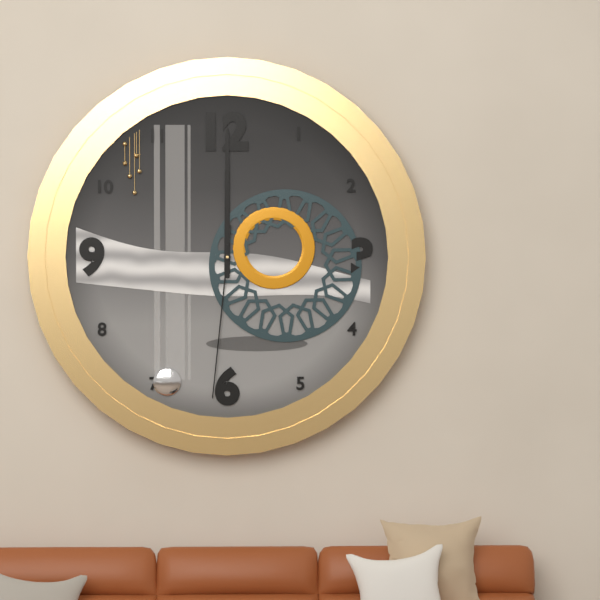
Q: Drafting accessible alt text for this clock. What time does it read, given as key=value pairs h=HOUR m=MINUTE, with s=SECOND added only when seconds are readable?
h=12 m=0 s=31
